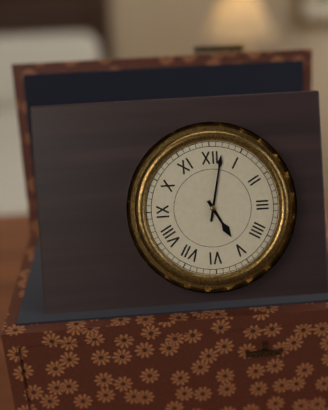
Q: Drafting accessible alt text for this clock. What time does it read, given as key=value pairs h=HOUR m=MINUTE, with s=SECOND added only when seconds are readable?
h=5 m=2
